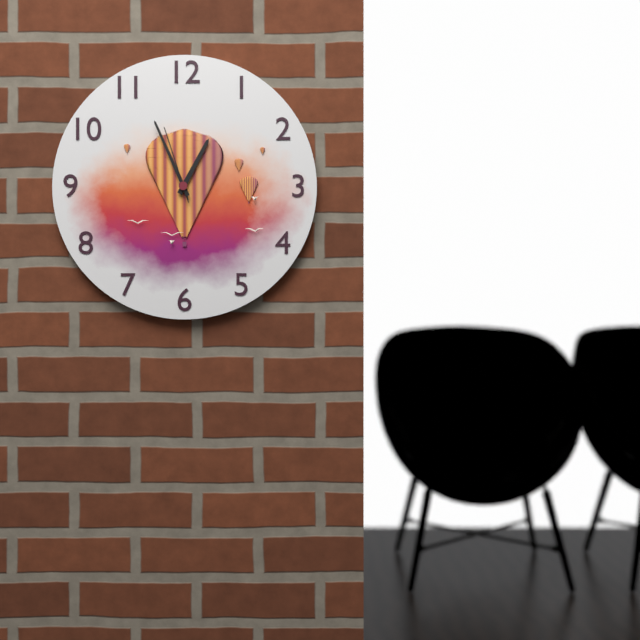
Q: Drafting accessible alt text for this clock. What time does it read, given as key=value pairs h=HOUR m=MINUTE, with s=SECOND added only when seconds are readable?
h=12 m=56 s=57
